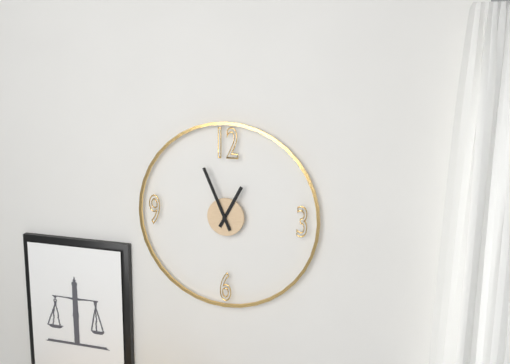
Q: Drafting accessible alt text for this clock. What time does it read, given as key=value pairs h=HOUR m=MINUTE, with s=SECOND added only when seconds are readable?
h=12 m=56
